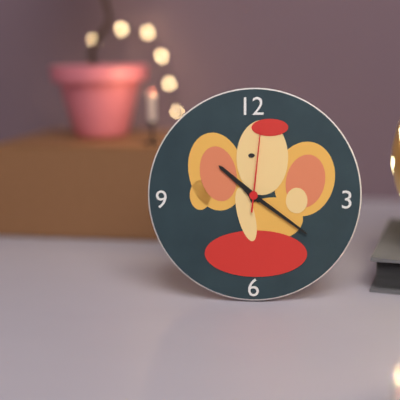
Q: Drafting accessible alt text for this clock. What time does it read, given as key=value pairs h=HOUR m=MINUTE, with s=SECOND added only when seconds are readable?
h=10 m=21 s=1
